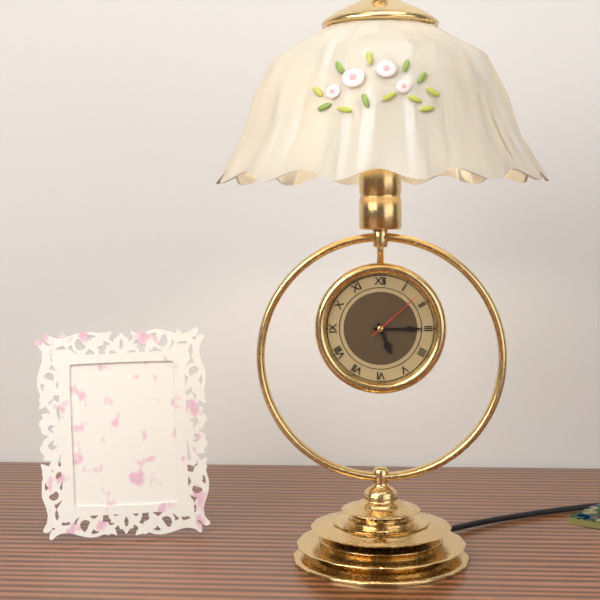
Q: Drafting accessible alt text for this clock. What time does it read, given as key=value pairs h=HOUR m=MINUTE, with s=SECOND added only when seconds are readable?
h=5 m=15 s=8
